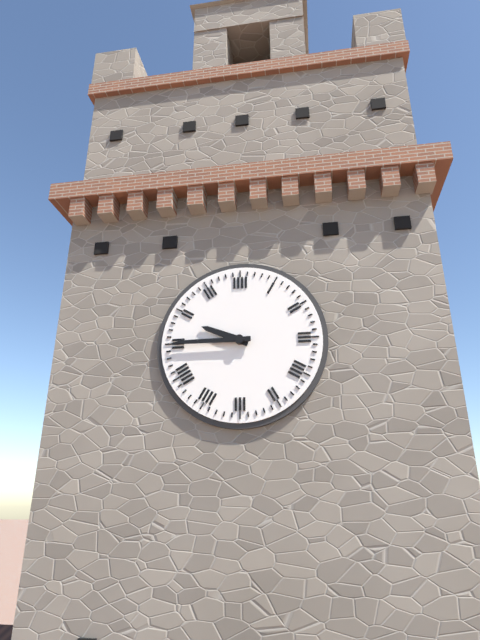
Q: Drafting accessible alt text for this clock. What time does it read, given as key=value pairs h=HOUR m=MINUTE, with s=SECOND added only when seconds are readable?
h=9 m=45
